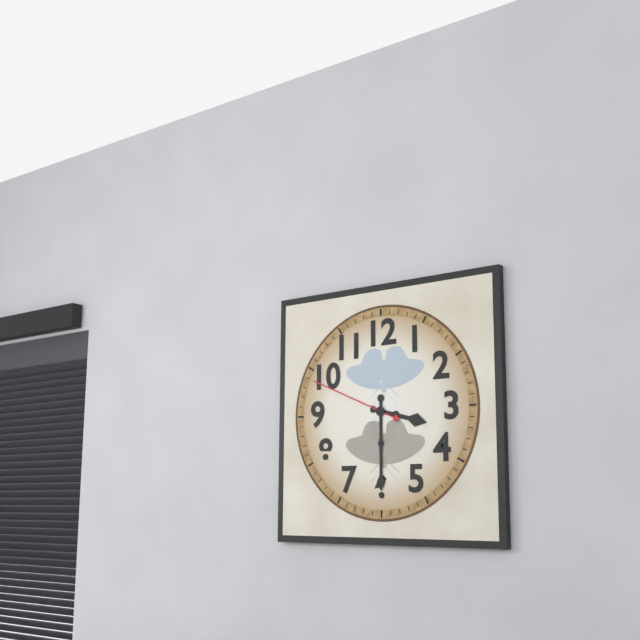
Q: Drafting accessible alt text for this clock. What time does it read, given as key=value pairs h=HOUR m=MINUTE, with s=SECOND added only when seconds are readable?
h=3 m=30 s=49
